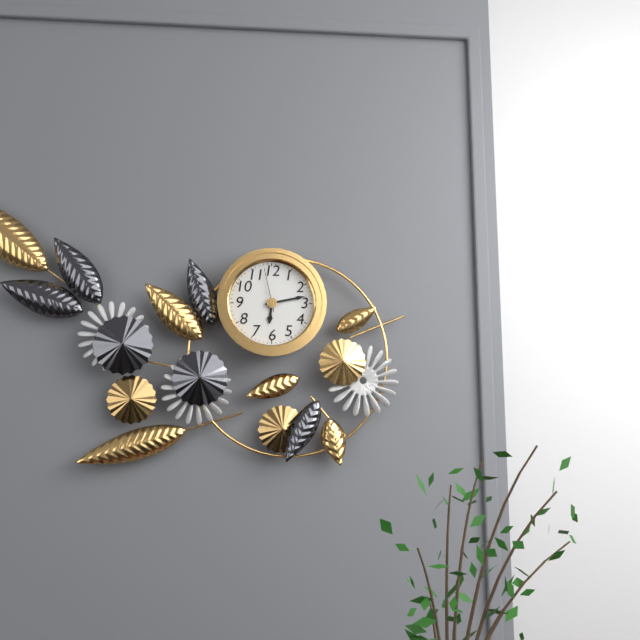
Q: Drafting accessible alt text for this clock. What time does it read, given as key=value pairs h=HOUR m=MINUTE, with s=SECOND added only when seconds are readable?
h=6 m=13
